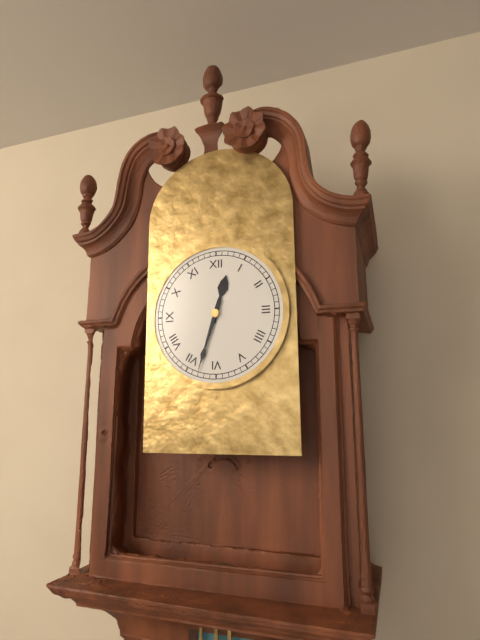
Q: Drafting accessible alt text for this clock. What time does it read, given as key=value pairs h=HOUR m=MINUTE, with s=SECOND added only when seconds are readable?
h=12 m=33
